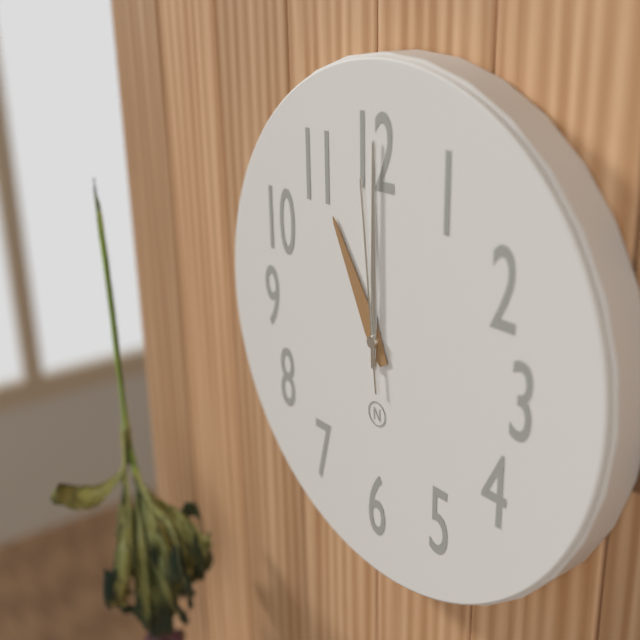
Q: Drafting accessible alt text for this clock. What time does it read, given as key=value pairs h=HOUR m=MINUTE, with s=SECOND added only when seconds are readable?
h=11 m=0 s=59
